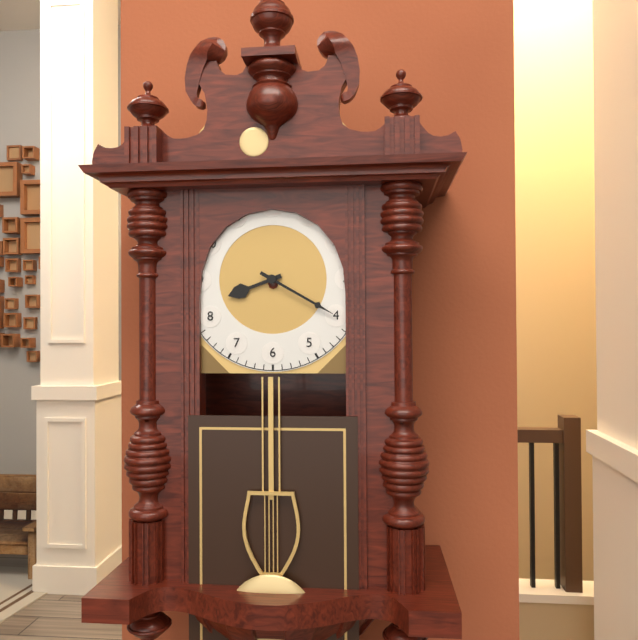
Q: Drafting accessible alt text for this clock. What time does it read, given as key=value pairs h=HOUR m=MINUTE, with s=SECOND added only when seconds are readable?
h=8 m=20
